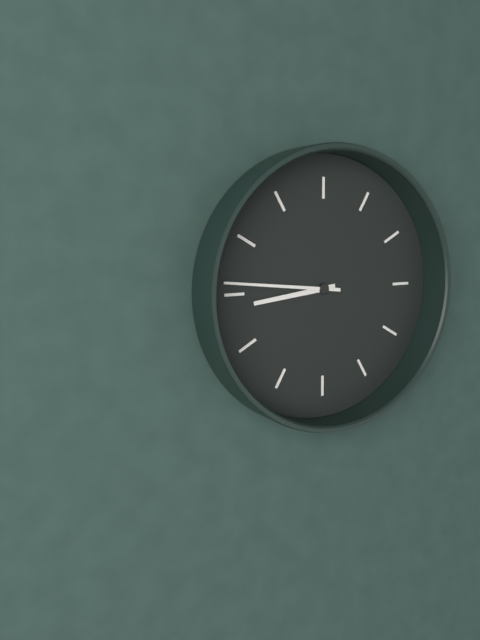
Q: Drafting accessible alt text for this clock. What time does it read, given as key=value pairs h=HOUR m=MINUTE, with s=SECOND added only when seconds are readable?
h=8 m=46
